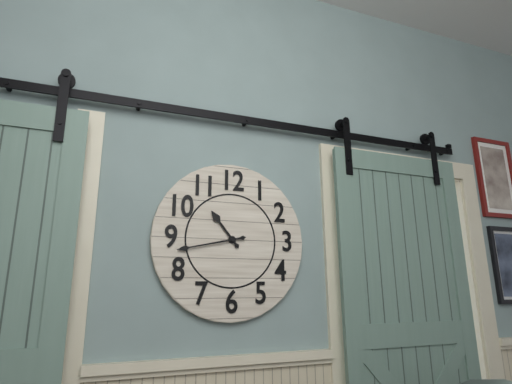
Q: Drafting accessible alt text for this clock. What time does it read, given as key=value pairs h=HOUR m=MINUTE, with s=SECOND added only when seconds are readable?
h=10 m=43
